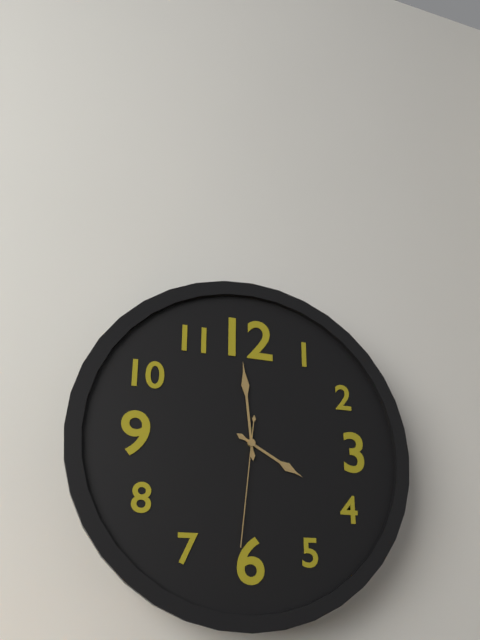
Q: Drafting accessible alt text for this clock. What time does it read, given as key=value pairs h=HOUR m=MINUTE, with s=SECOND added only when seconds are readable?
h=3 m=59 s=31
